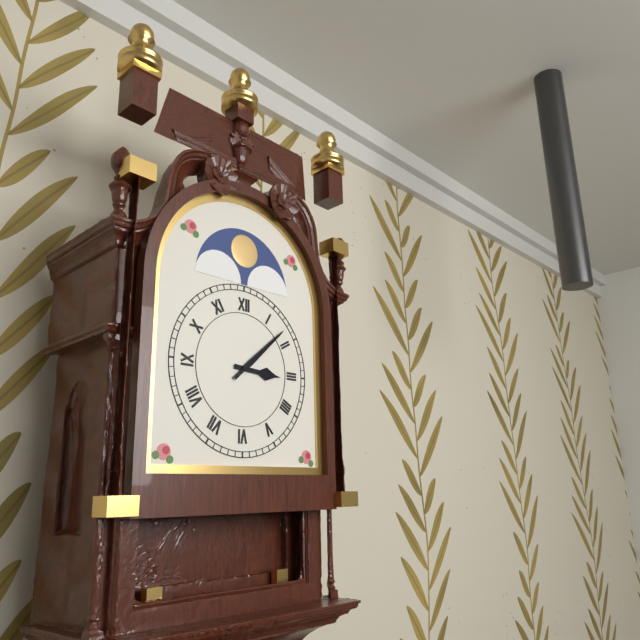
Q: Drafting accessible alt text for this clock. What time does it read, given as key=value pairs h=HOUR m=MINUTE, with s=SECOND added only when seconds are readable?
h=3 m=8
